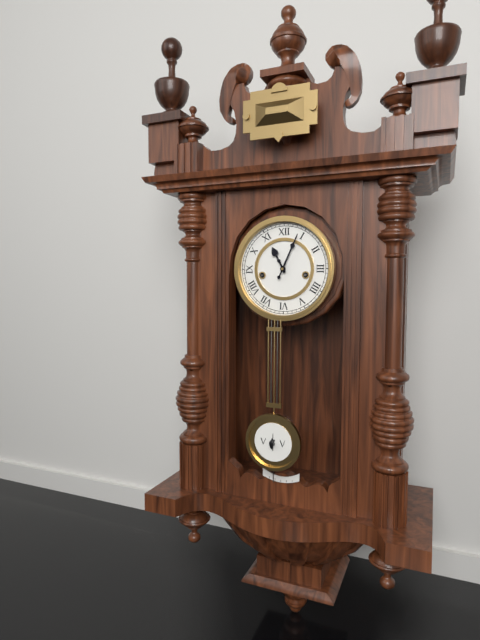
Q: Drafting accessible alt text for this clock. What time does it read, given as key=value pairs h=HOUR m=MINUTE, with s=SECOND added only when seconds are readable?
h=11 m=4
